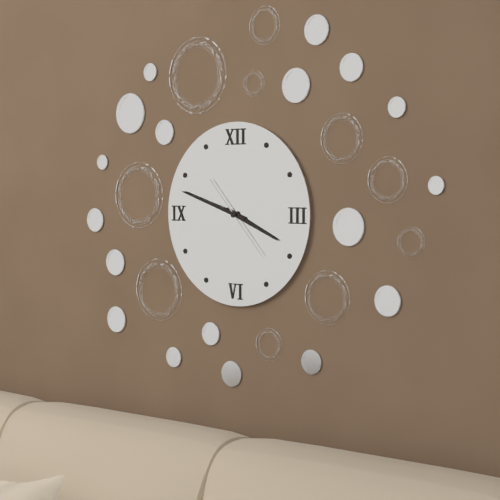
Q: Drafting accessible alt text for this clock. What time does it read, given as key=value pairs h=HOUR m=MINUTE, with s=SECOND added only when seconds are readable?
h=3 m=48 s=23
